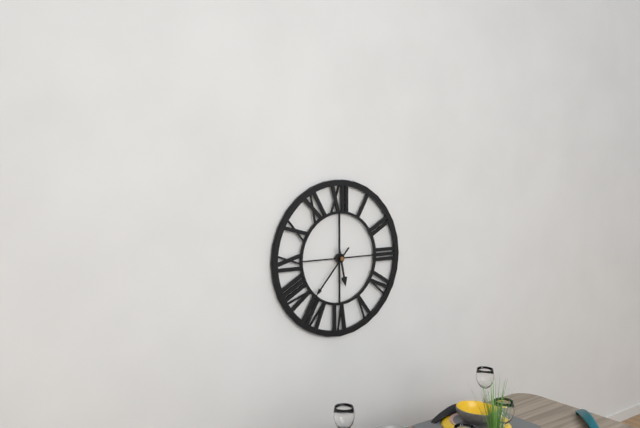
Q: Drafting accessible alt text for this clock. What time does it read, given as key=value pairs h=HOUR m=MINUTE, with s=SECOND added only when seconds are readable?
h=5 m=37
